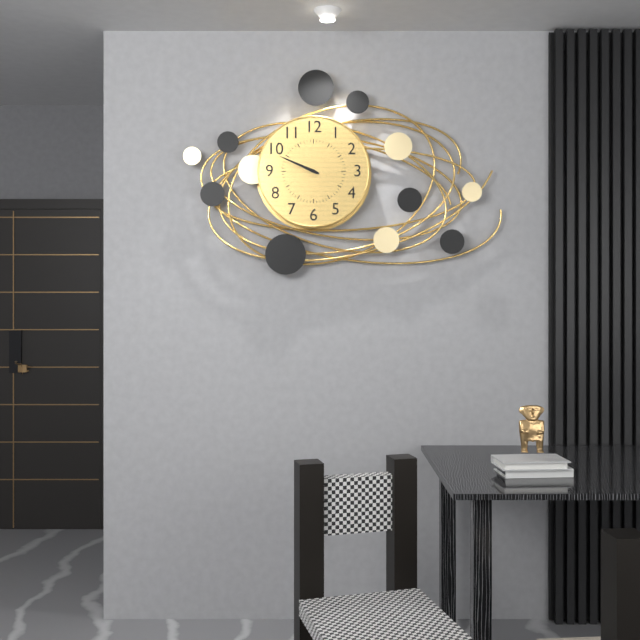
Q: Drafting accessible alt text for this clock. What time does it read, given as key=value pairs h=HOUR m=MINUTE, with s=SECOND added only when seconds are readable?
h=9 m=49
